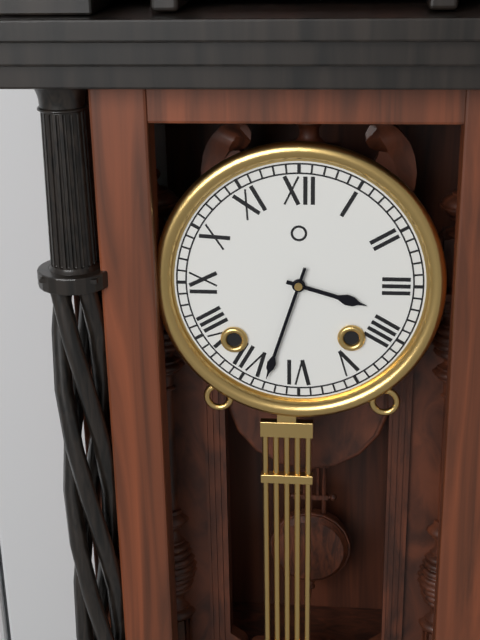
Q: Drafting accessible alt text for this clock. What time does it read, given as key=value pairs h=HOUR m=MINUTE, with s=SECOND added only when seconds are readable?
h=3 m=33
